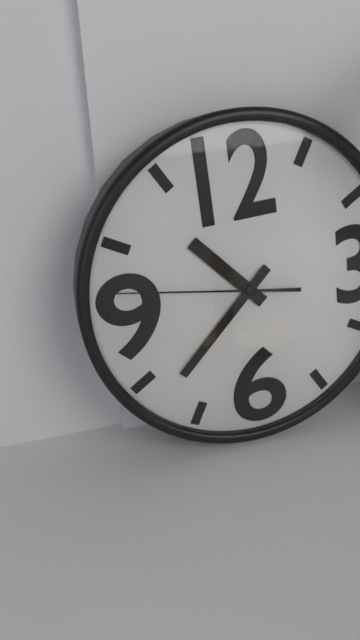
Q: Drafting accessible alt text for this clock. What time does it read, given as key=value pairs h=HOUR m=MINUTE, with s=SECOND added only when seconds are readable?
h=10 m=38 s=47
